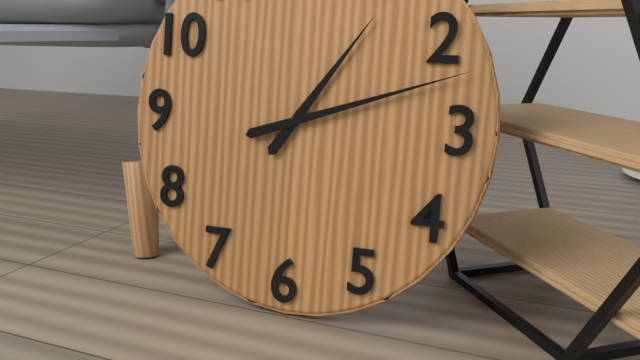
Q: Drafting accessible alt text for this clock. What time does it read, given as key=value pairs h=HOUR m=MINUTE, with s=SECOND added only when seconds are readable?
h=1 m=12
